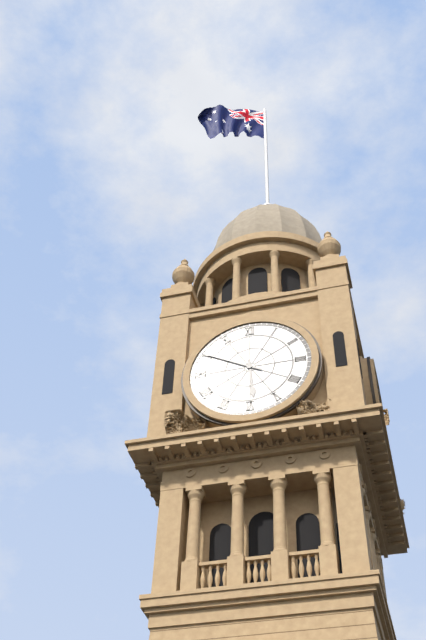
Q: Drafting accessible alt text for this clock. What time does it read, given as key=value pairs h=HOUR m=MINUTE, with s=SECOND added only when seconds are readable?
h=5 m=50
